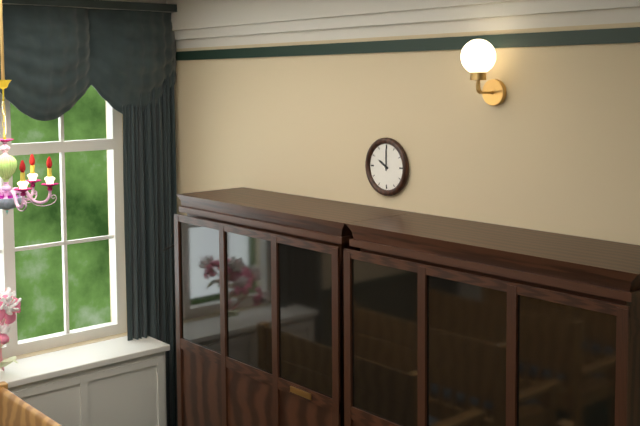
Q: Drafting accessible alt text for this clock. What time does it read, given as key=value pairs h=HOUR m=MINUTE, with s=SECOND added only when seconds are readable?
h=10 m=0
